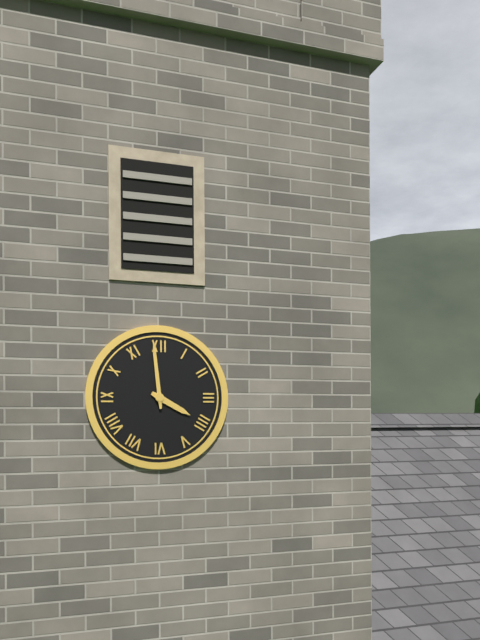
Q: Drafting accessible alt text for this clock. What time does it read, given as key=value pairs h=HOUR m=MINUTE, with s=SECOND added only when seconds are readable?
h=3 m=59
